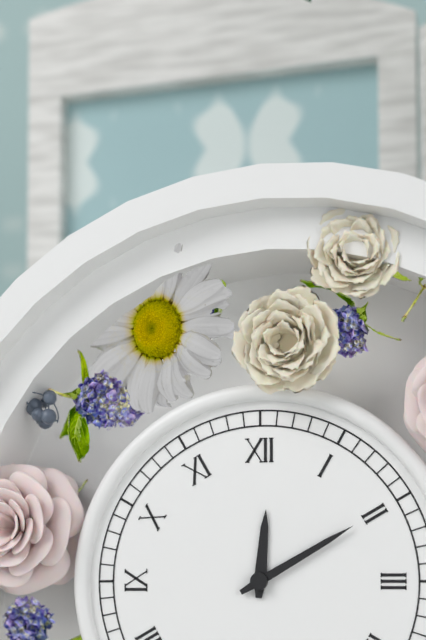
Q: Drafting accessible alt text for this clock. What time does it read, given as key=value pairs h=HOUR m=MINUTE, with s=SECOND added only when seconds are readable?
h=12 m=10
